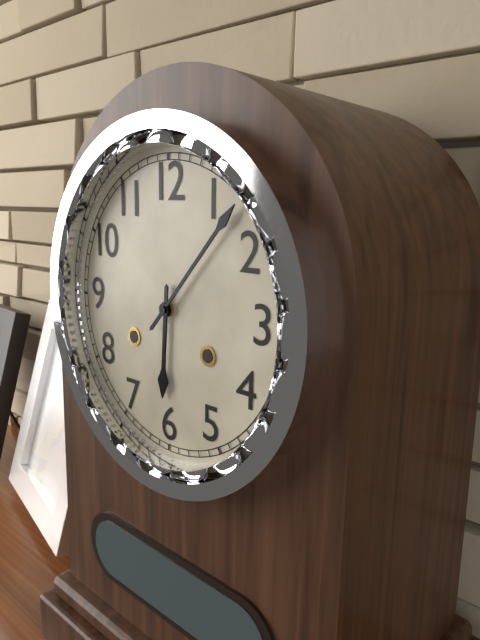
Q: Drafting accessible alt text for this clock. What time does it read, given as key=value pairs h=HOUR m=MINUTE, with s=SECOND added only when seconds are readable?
h=6 m=7
